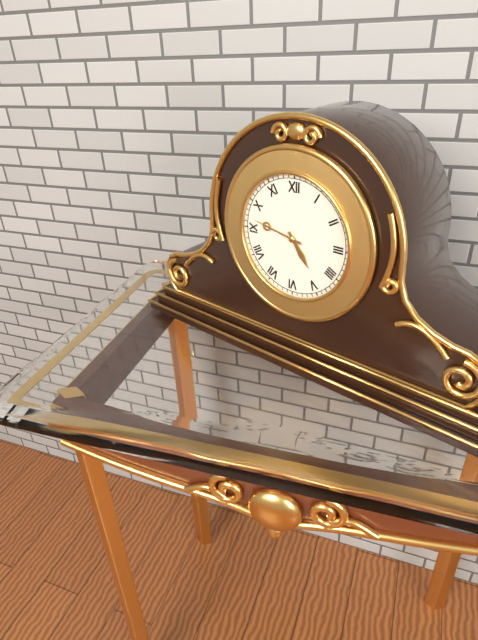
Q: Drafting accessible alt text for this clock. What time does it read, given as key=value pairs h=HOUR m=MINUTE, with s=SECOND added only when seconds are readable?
h=4 m=47
